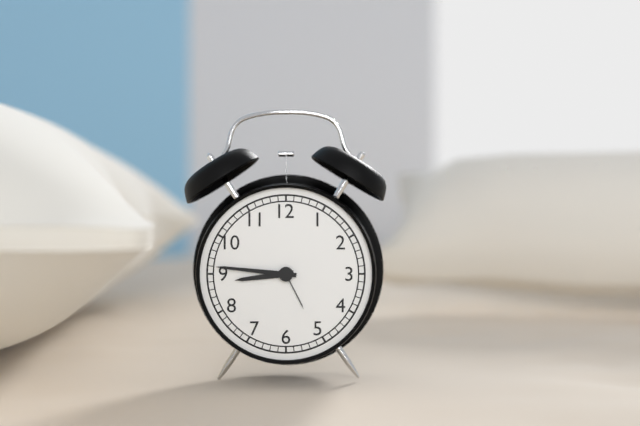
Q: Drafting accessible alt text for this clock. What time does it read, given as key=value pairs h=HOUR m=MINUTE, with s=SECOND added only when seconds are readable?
h=8 m=46
